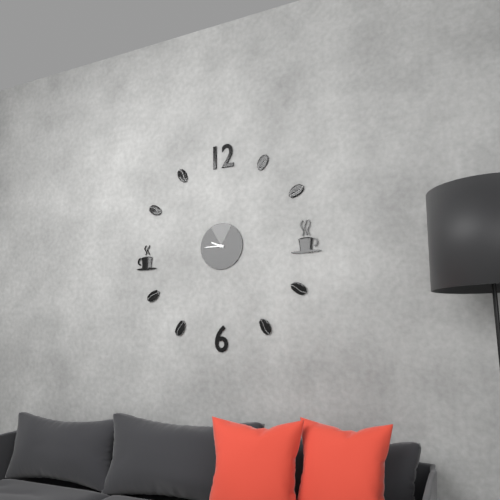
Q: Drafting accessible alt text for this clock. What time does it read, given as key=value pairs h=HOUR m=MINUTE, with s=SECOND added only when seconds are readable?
h=9 m=45
